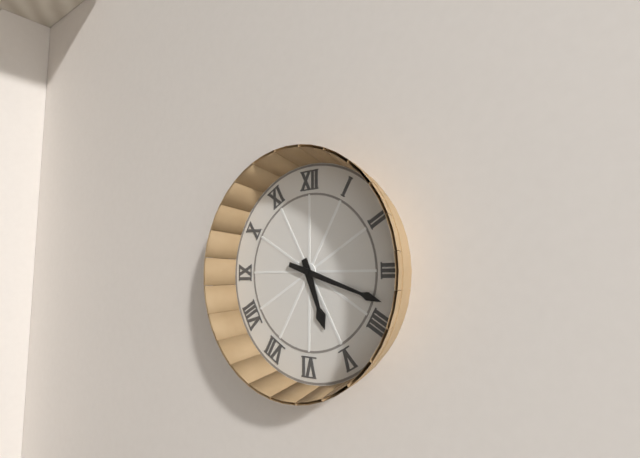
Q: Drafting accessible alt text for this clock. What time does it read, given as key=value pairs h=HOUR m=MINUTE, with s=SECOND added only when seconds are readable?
h=5 m=18
